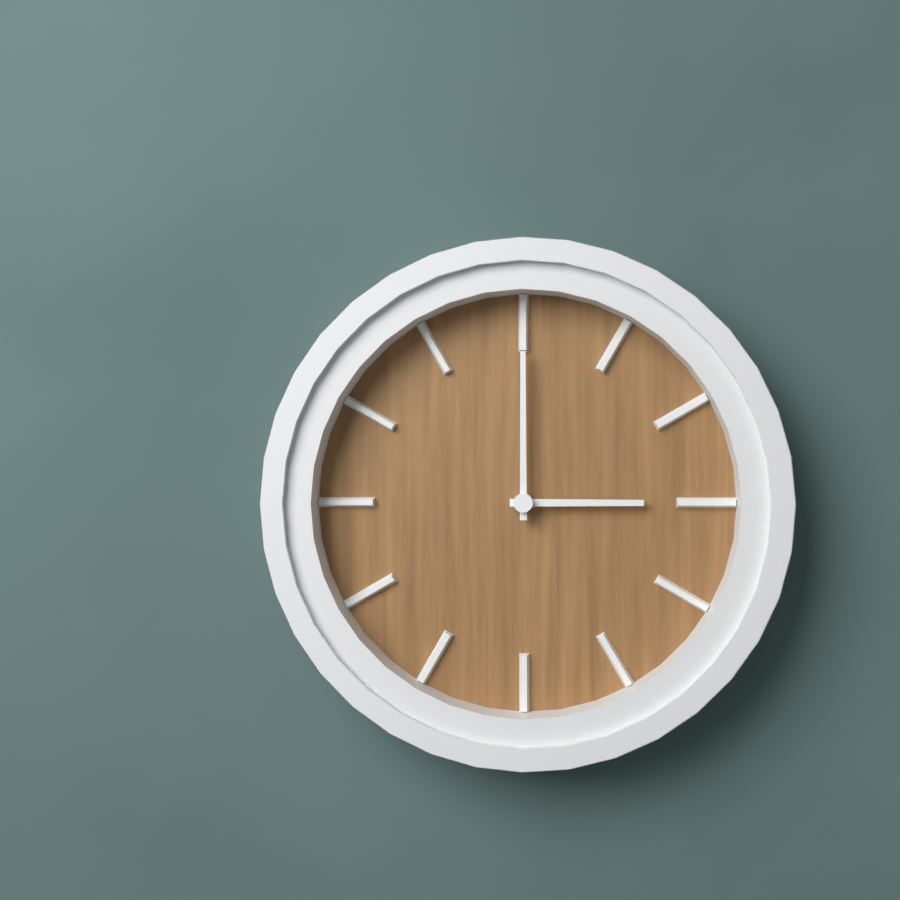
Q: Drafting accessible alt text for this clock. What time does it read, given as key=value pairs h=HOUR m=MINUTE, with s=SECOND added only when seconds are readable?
h=3 m=0
